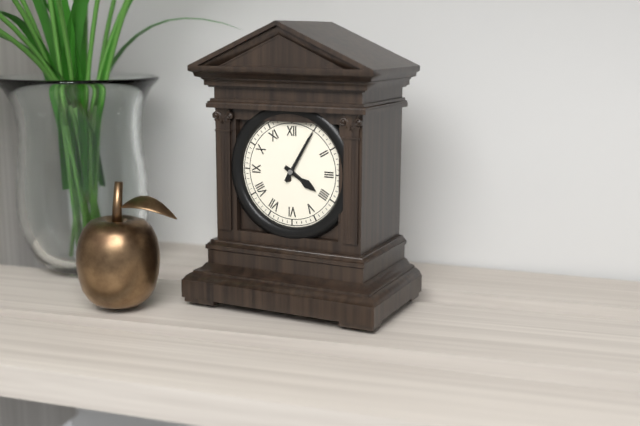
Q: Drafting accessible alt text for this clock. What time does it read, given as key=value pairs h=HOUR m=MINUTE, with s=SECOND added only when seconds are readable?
h=4 m=5
